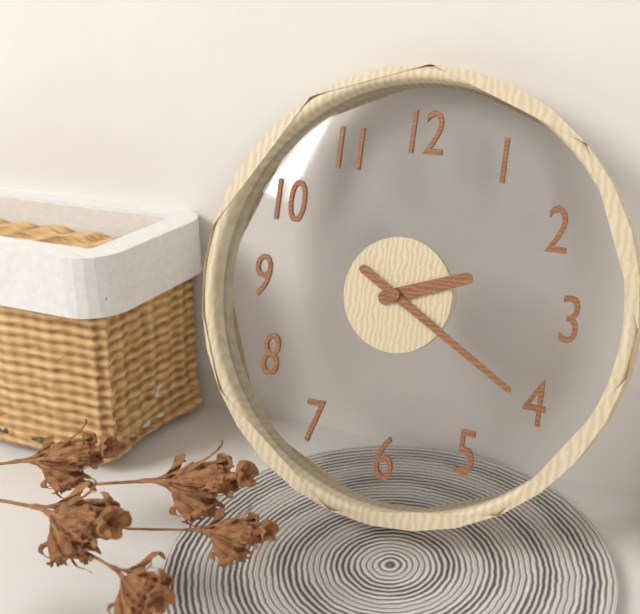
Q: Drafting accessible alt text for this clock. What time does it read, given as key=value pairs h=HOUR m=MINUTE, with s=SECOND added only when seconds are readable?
h=2 m=20
